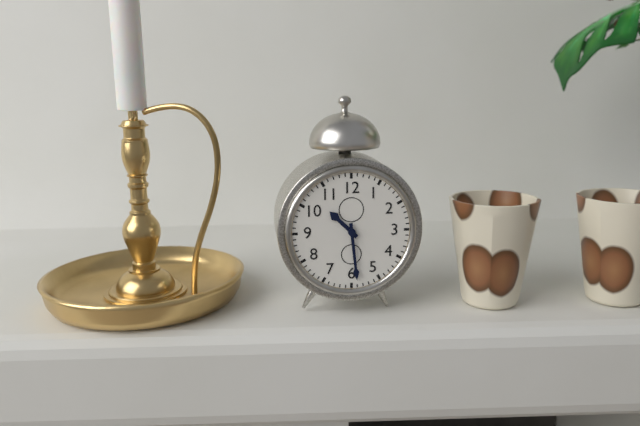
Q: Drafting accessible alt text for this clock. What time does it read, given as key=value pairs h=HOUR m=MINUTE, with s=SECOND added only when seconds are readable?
h=10 m=29
